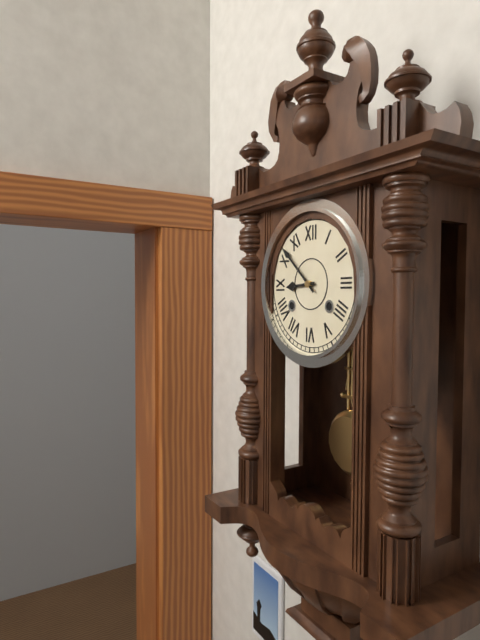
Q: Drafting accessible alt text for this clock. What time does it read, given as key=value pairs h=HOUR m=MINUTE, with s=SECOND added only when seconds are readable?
h=8 m=52
